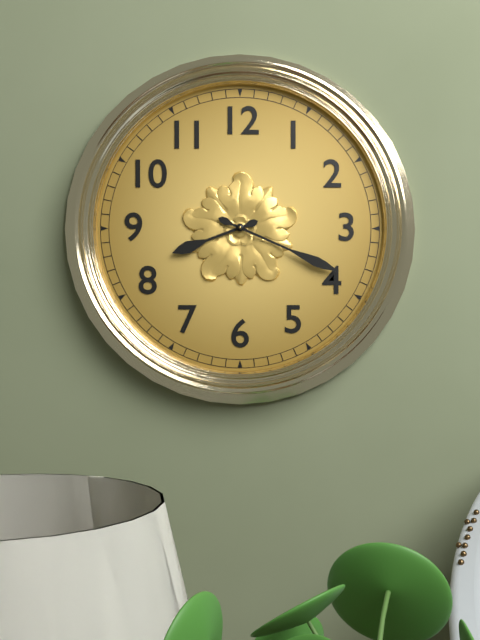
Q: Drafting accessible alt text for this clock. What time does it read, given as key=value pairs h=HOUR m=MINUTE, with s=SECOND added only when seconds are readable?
h=8 m=19
